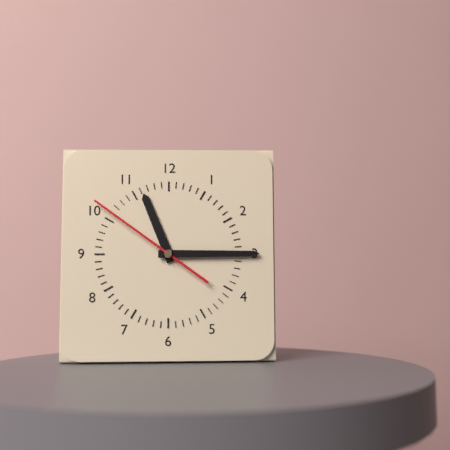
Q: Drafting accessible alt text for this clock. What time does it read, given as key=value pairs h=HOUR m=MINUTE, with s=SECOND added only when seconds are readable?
h=11 m=15 s=51
